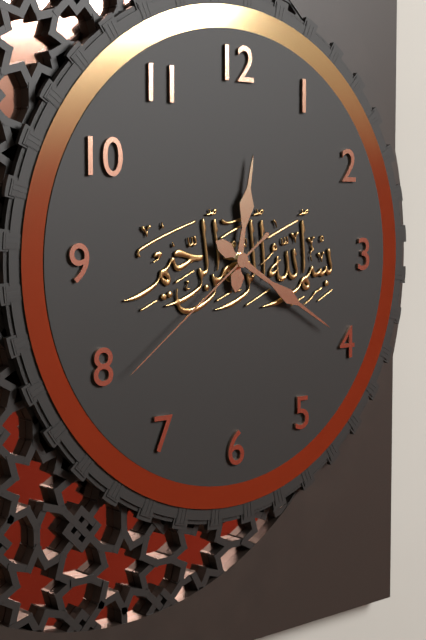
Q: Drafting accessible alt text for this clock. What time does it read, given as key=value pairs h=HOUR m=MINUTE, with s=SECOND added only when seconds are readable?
h=12 m=20 s=39
